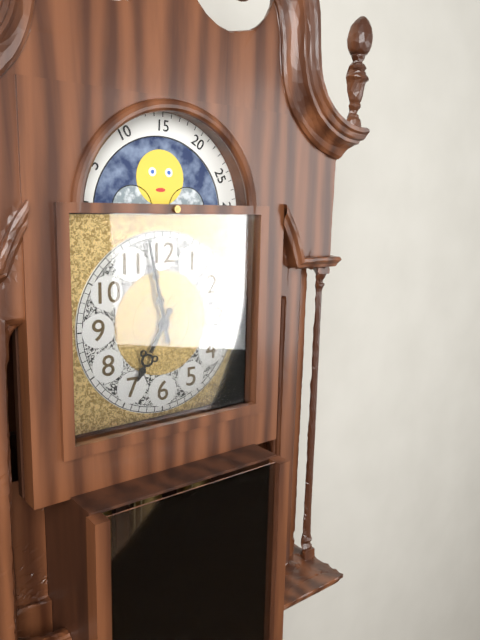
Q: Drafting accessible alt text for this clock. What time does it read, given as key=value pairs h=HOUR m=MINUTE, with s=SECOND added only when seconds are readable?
h=6 m=58
